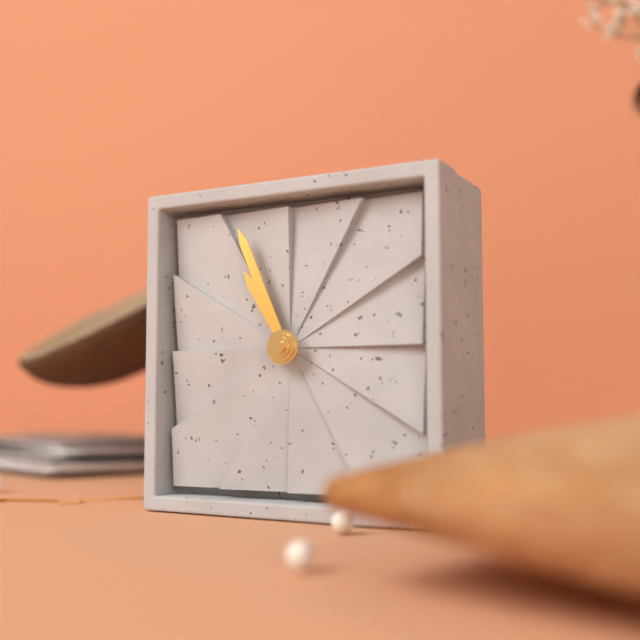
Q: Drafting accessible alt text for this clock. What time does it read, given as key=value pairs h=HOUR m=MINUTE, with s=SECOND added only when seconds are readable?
h=10 m=56
